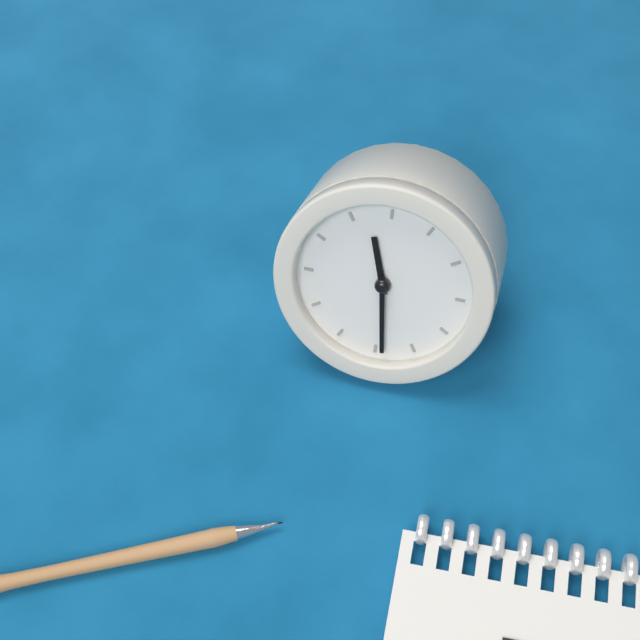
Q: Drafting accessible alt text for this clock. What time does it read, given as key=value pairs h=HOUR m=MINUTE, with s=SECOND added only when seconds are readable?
h=11 m=29
